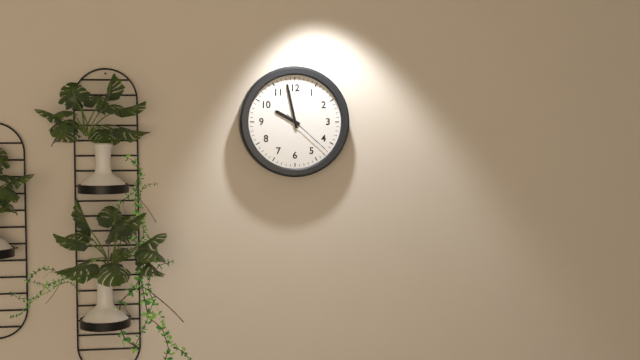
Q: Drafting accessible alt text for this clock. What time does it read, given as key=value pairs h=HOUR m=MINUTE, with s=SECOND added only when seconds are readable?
h=9 m=58 s=22
